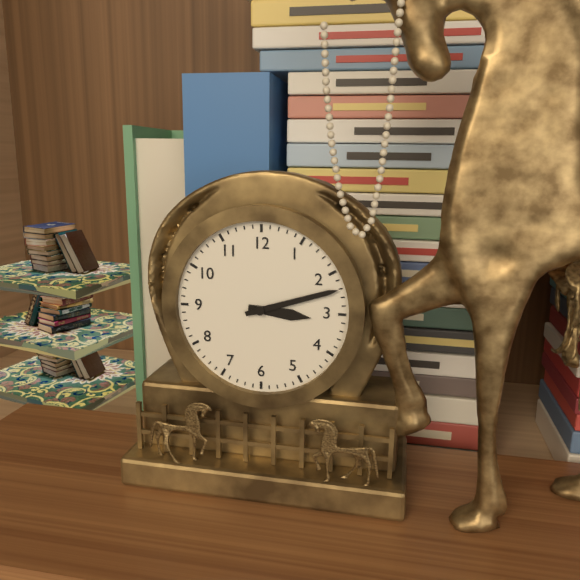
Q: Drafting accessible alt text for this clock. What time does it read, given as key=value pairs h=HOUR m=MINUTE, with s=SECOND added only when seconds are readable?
h=3 m=12
